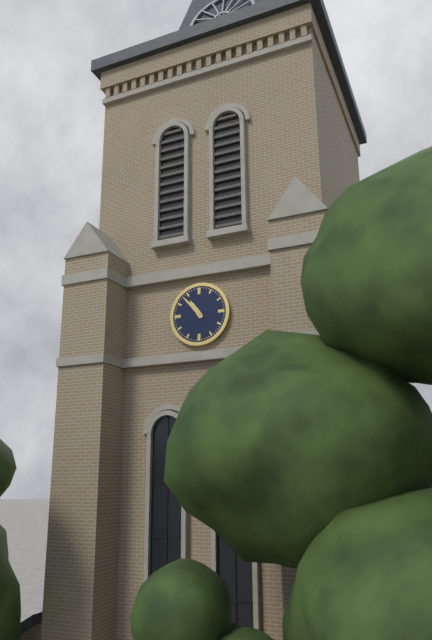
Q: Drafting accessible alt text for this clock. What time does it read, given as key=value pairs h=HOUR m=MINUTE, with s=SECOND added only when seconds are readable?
h=10 m=53
